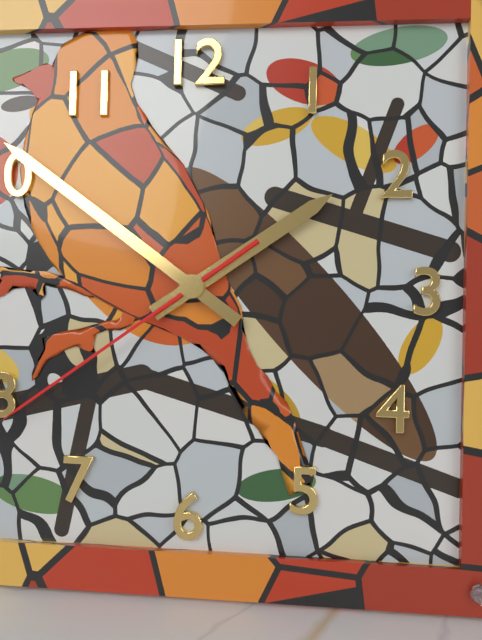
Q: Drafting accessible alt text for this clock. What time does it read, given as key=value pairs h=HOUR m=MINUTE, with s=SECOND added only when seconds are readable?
h=1 m=51 s=39
